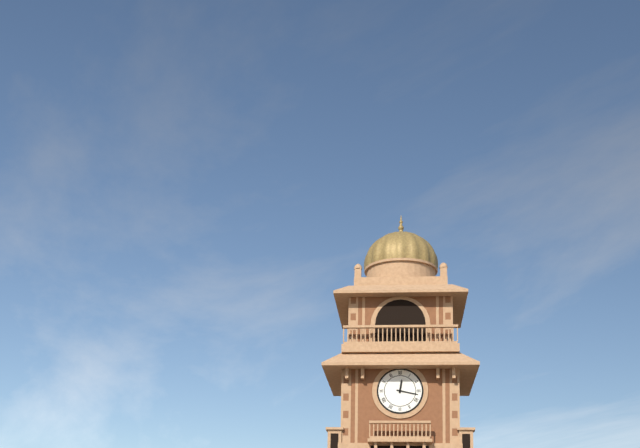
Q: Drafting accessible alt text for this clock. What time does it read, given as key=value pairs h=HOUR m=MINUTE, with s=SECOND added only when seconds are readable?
h=12 m=17
